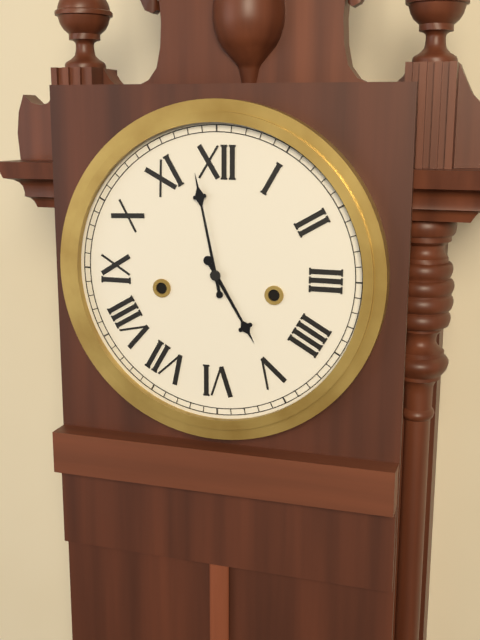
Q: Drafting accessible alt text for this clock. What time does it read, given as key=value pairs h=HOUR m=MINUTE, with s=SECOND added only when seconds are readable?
h=4 m=58
